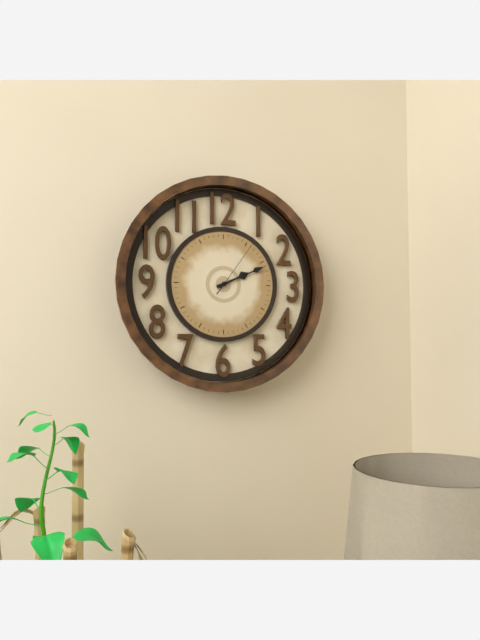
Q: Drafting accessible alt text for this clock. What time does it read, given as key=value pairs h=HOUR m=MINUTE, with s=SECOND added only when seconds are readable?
h=2 m=11 s=6
